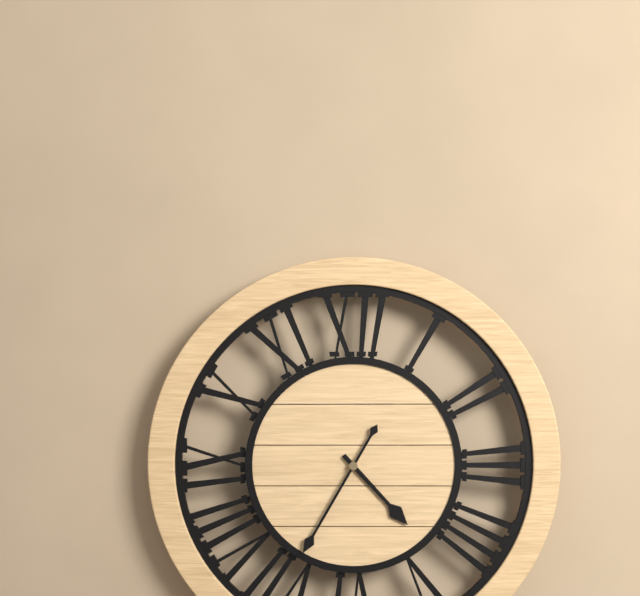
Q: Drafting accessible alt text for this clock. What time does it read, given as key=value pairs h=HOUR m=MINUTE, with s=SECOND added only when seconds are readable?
h=4 m=35
